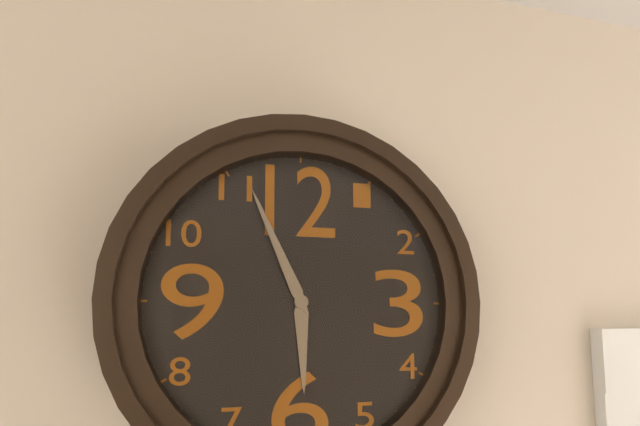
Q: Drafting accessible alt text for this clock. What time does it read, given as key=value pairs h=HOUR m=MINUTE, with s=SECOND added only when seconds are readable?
h=5 m=56
